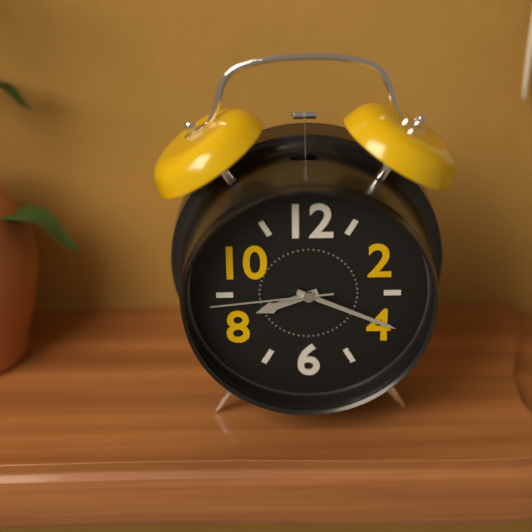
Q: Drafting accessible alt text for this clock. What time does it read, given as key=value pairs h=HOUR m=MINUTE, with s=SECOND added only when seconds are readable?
h=8 m=19 s=44
